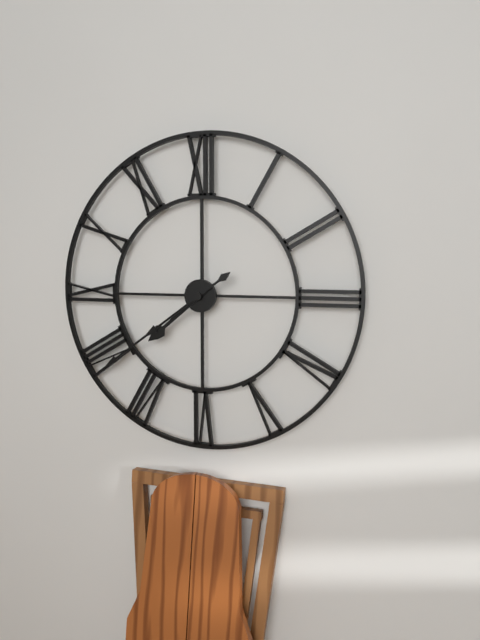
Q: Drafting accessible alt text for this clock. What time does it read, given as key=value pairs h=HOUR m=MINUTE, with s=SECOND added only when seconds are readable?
h=7 m=39
